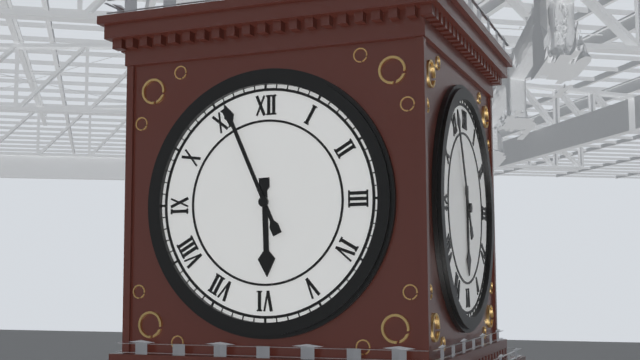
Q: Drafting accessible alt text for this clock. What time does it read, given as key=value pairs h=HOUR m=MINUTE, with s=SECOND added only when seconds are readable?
h=5 m=56
